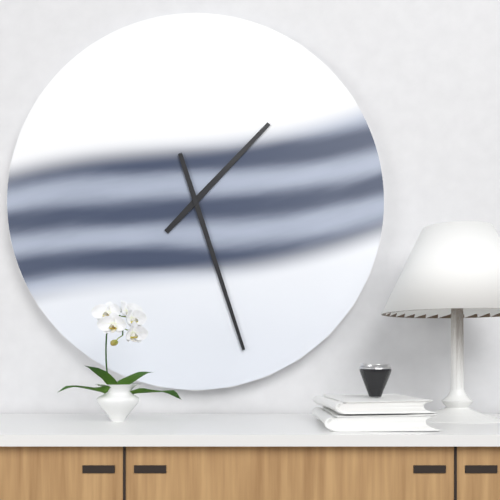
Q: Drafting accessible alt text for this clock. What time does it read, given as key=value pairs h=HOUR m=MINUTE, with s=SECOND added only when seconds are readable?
h=1 m=27
